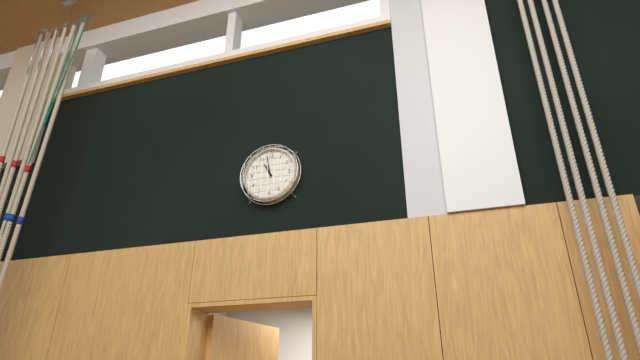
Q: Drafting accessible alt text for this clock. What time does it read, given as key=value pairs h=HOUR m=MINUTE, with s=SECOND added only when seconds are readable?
h=10 m=58
